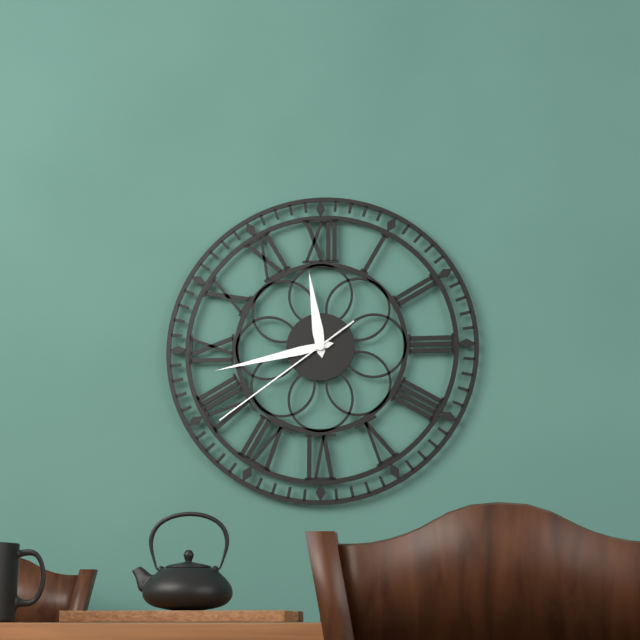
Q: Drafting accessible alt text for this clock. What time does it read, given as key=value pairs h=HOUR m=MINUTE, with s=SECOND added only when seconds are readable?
h=11 m=43 s=39
